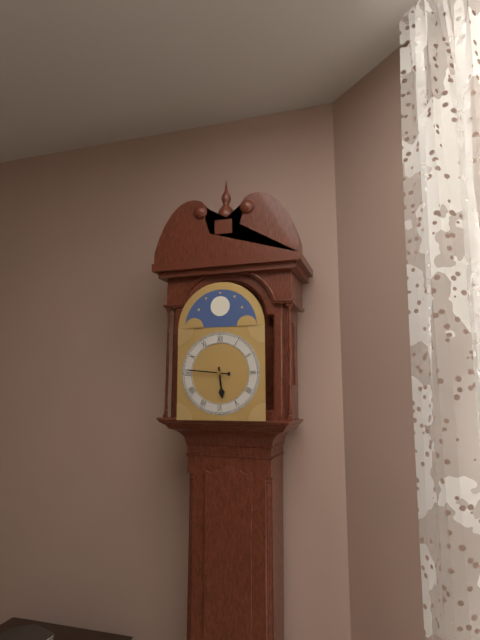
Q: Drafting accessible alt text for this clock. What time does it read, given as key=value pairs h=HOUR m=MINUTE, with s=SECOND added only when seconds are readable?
h=5 m=46
